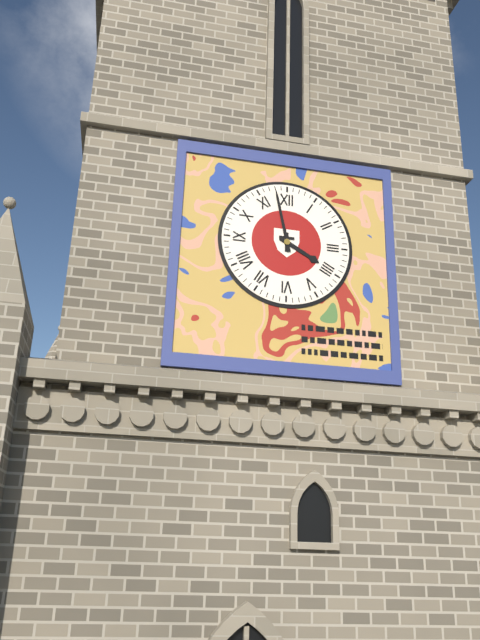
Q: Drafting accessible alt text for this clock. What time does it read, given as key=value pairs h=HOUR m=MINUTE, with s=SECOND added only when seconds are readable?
h=3 m=58
